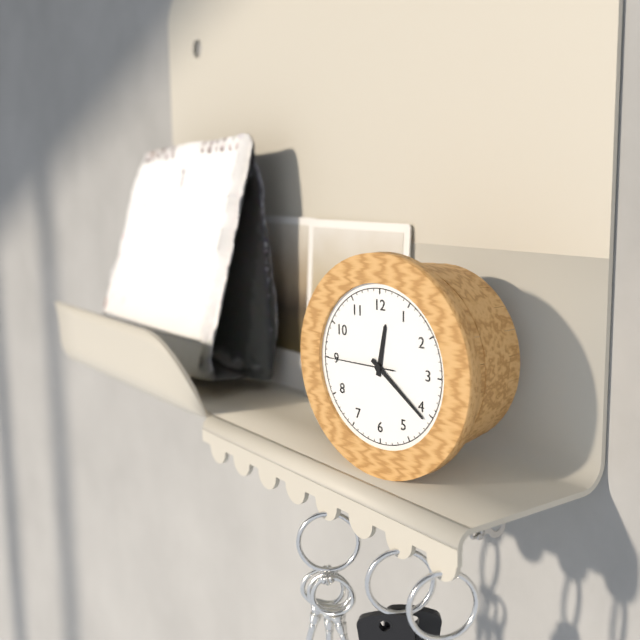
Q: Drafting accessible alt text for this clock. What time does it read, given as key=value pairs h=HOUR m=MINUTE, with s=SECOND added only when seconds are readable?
h=12 m=21 s=45
